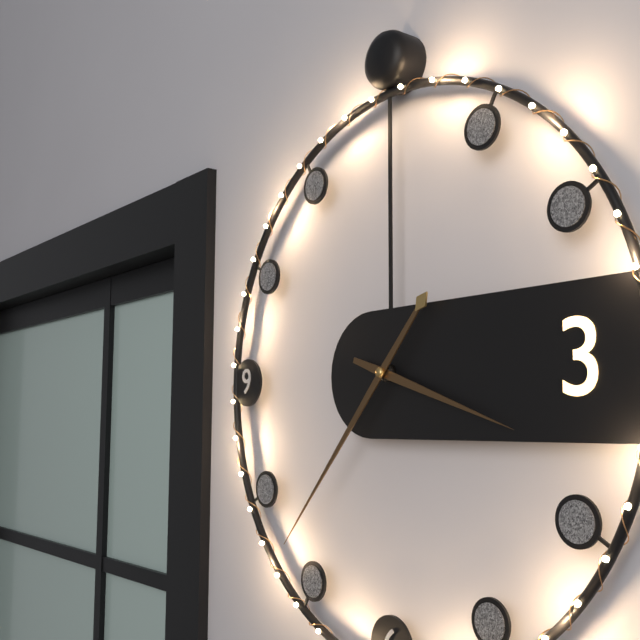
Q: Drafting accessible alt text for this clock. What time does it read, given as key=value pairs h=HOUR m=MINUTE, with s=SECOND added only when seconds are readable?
h=3 m=37
